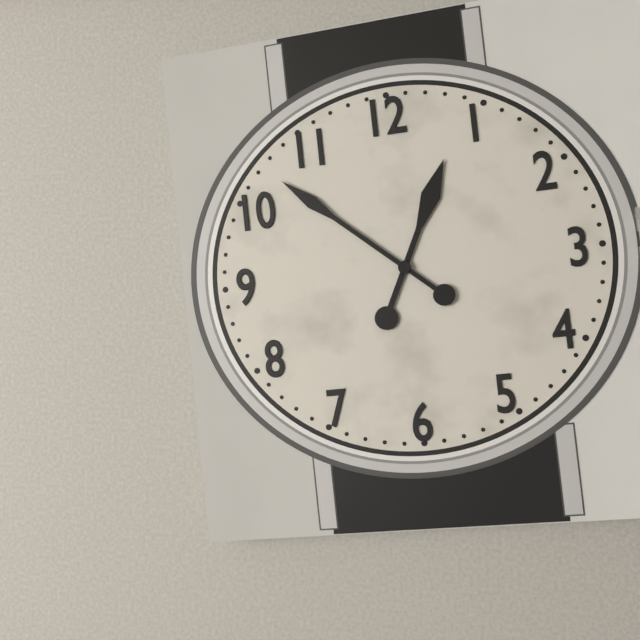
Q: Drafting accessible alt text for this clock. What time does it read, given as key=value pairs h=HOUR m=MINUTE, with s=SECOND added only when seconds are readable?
h=12 m=52
